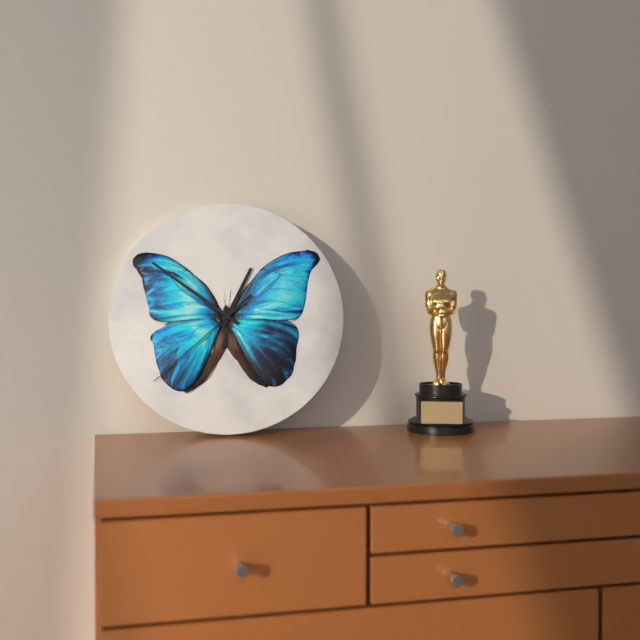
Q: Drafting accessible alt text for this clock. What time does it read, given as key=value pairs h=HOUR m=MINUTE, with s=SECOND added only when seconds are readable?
h=12 m=51 s=38
